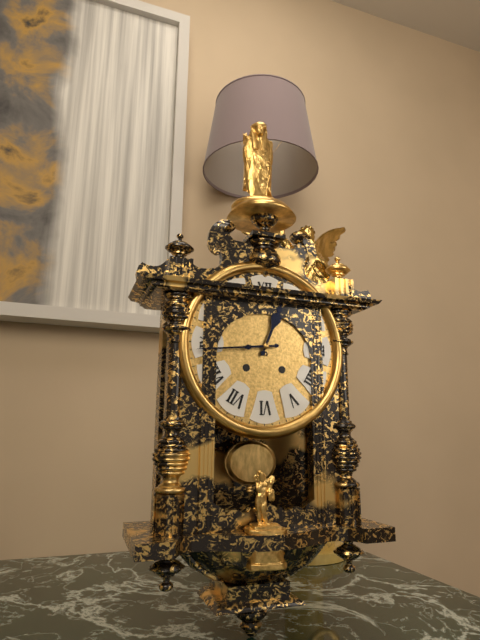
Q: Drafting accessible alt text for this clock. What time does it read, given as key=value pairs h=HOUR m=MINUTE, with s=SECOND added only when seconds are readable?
h=12 m=44
